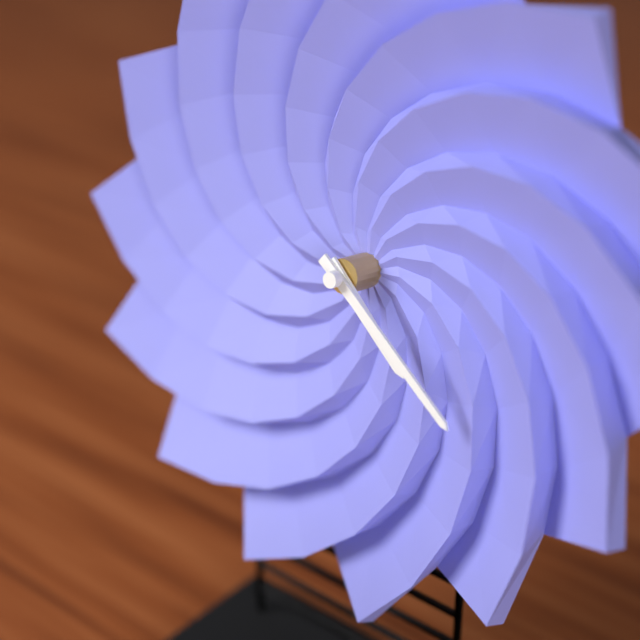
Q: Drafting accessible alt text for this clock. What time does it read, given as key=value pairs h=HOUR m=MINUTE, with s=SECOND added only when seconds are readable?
h=4 m=21
